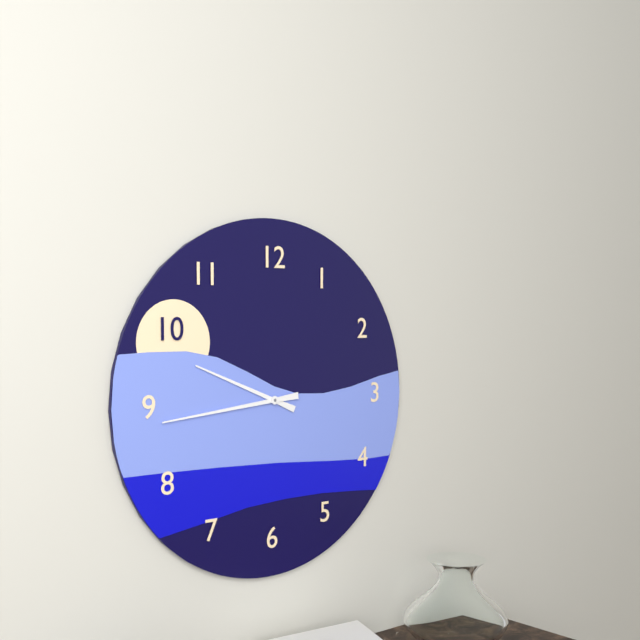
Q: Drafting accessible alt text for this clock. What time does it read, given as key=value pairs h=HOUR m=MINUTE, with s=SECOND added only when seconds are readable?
h=9 m=44
